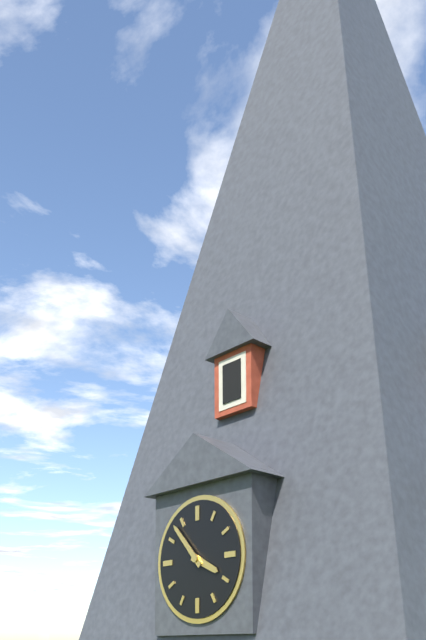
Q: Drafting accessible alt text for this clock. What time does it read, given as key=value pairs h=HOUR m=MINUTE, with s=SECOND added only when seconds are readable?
h=3 m=53
